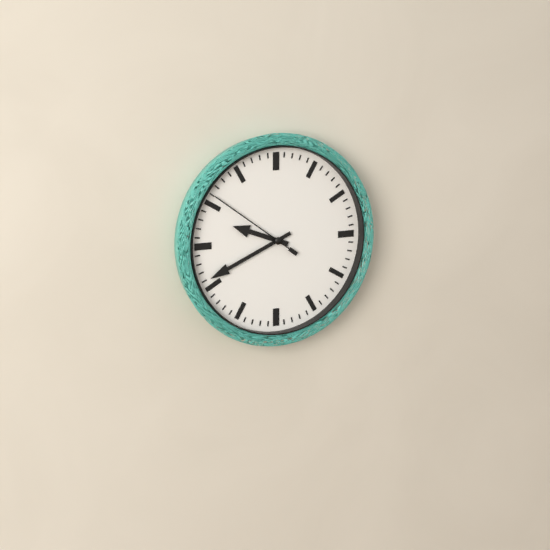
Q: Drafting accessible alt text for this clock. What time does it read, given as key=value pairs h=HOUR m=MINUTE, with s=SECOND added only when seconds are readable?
h=9 m=41 s=51
